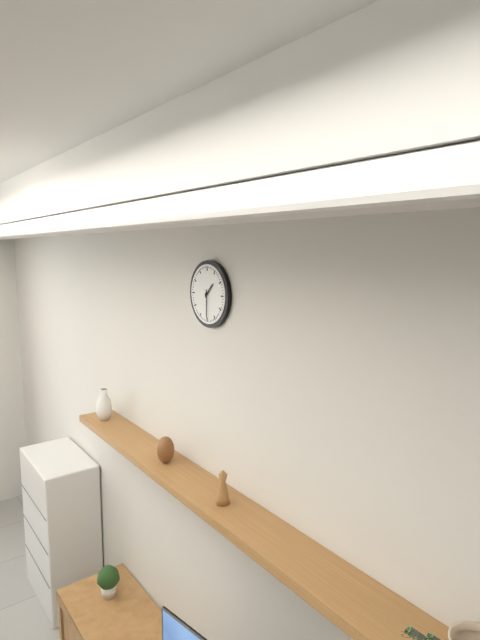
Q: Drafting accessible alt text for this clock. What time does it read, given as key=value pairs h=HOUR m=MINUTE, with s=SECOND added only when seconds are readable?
h=1 m=30
